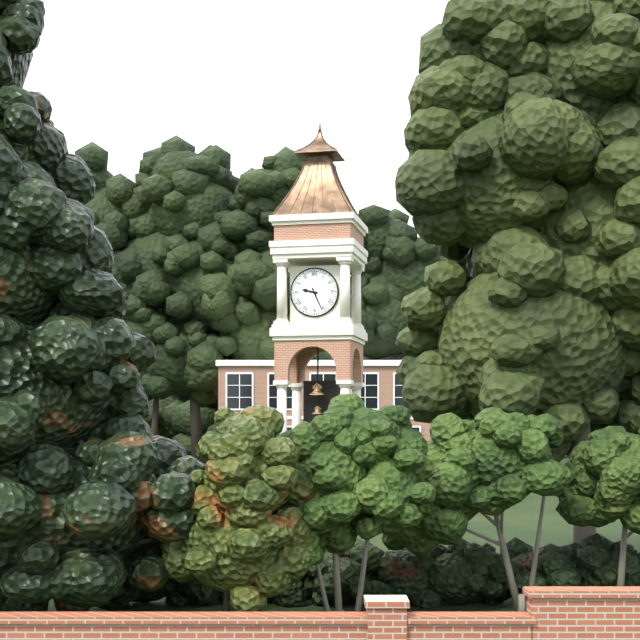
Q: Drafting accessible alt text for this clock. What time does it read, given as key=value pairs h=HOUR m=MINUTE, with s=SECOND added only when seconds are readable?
h=9 m=26
